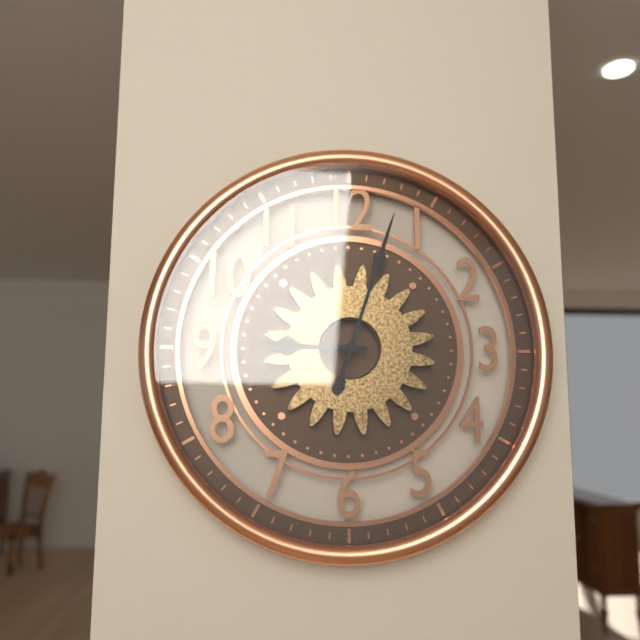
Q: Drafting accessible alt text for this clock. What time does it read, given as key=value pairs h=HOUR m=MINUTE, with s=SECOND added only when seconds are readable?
h=9 m=3
